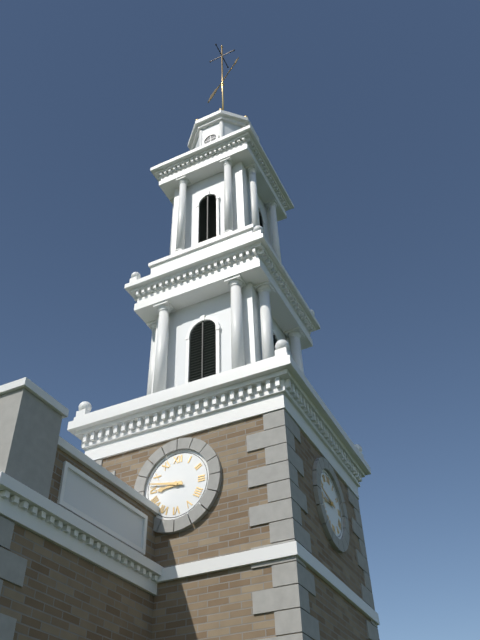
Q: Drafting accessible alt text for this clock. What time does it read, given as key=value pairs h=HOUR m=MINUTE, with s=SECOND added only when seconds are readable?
h=8 m=47
